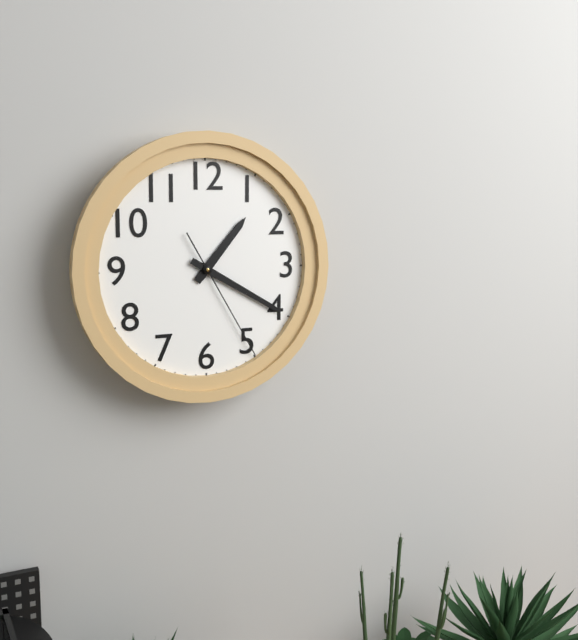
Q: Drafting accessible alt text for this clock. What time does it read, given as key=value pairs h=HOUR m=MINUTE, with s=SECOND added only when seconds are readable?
h=1 m=20 s=25
